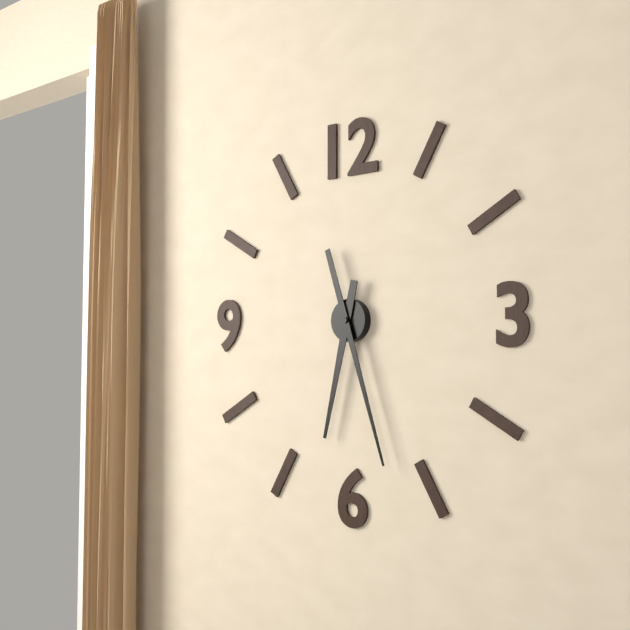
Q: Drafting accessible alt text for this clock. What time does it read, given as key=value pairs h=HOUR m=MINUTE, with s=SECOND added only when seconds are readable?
h=6 m=27
